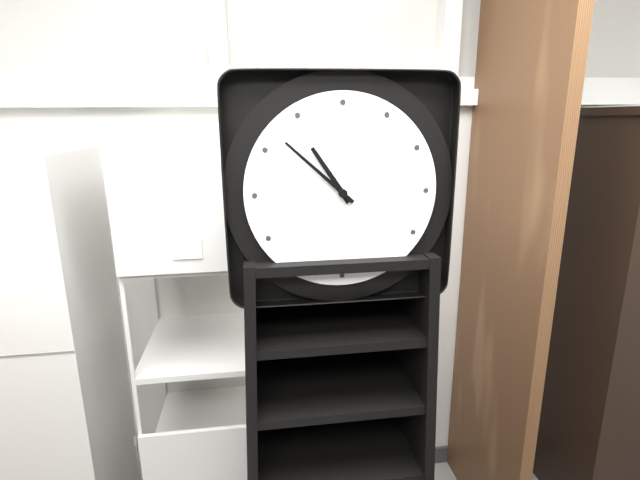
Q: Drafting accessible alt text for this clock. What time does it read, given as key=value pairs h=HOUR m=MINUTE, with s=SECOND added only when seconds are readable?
h=10 m=52
